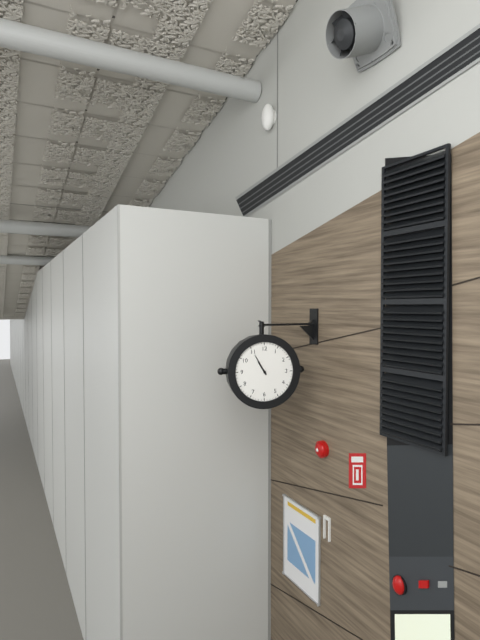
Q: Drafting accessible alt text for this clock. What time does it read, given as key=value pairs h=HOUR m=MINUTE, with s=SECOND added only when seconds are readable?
h=10 m=55
